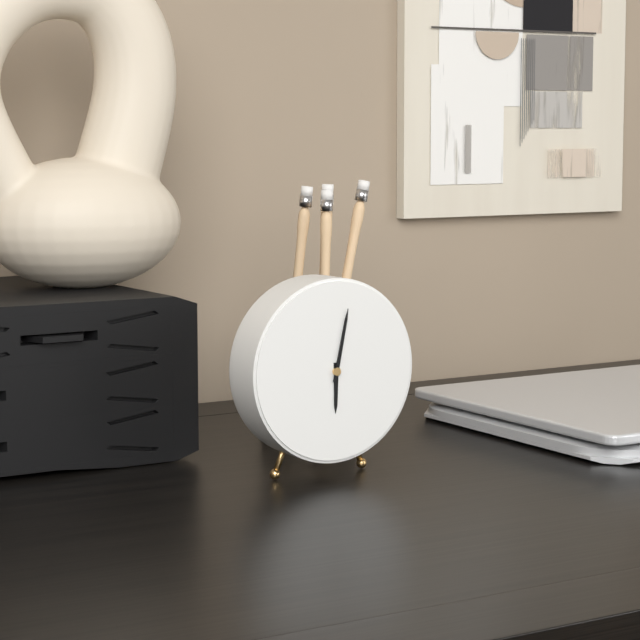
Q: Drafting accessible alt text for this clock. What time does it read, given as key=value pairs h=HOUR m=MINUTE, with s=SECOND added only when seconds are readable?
h=6 m=2
